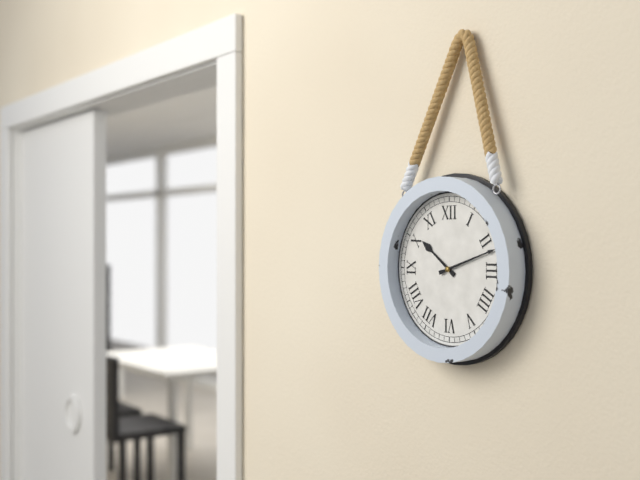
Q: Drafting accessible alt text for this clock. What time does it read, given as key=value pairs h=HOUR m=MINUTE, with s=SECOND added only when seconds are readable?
h=10 m=12
